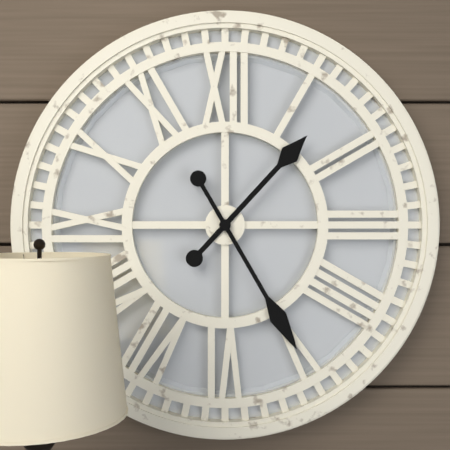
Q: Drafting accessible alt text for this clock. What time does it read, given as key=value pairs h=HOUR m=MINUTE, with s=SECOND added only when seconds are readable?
h=1 m=25
